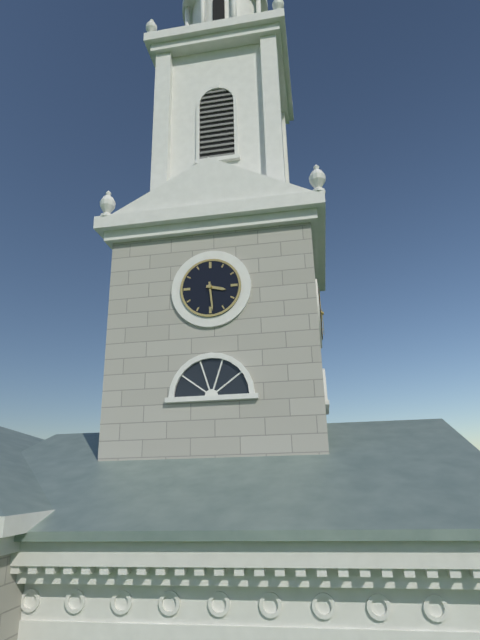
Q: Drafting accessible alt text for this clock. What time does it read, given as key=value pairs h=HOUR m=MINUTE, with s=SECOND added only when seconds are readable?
h=3 m=29
